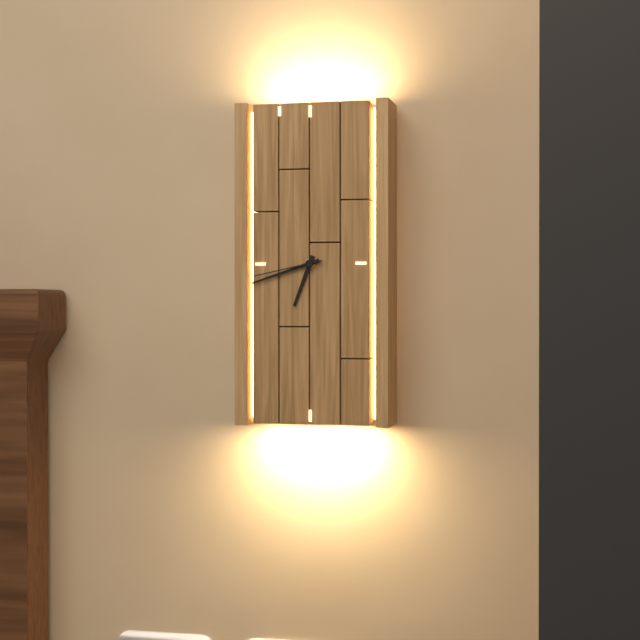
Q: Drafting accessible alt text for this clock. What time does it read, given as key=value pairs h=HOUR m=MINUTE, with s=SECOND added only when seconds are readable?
h=6 m=42 s=43
